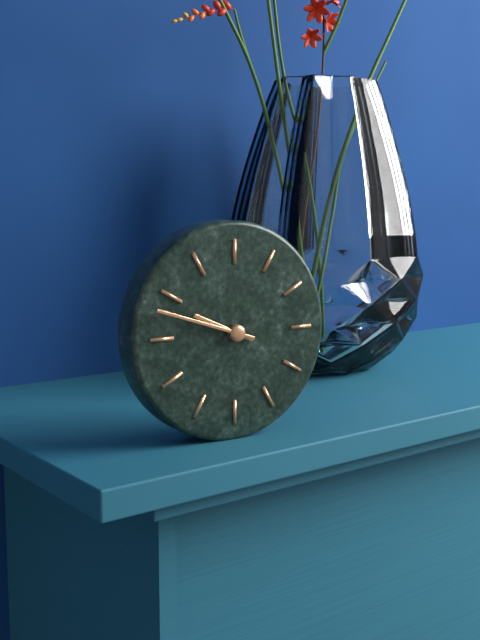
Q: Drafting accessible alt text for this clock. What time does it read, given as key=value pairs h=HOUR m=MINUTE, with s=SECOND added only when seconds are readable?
h=9 m=48
